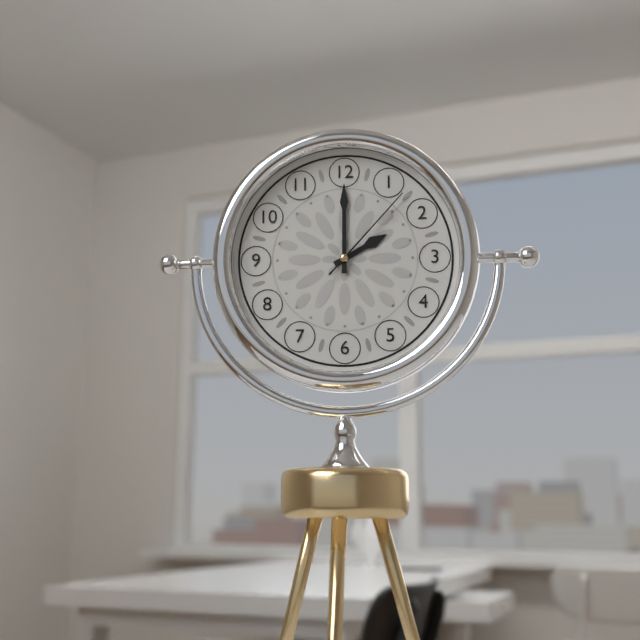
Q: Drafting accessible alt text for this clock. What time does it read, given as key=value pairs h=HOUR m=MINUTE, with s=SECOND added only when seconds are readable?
h=2 m=0 s=7
